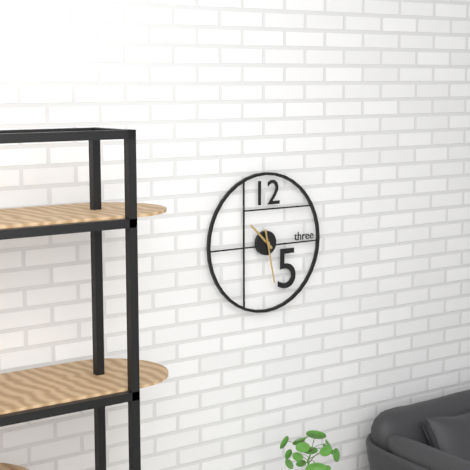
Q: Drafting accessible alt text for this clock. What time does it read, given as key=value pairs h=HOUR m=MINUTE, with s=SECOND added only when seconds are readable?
h=10 m=28
